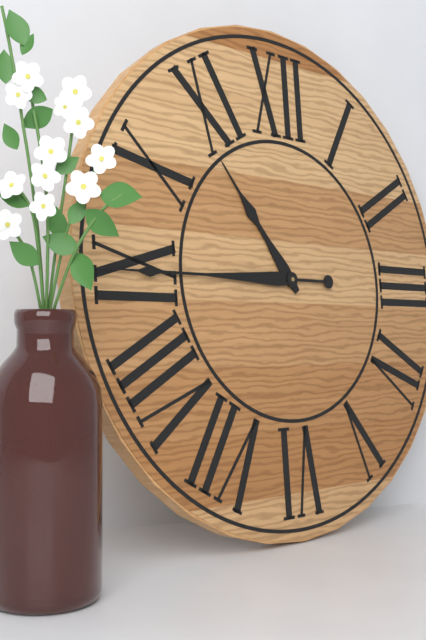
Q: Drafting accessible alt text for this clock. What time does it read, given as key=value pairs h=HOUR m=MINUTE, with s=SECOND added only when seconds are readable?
h=10 m=45
